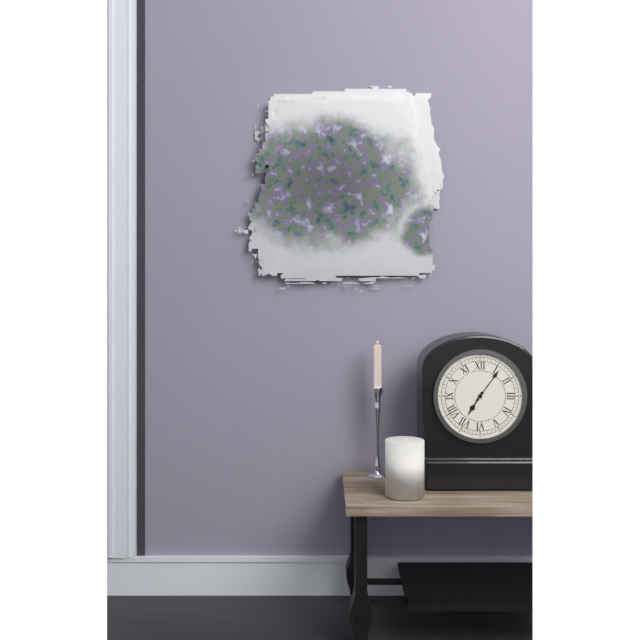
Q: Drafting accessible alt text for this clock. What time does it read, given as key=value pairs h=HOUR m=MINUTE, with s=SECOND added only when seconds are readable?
h=7 m=6
